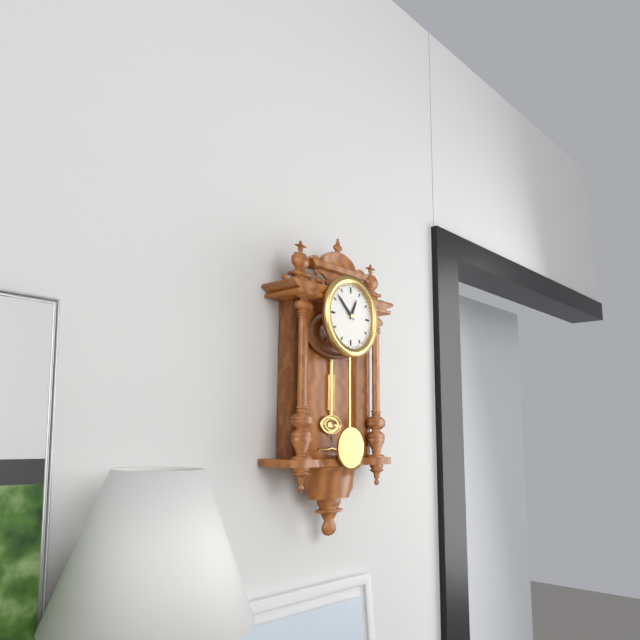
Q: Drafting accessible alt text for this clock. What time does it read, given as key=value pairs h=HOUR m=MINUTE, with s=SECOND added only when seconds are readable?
h=12 m=52
